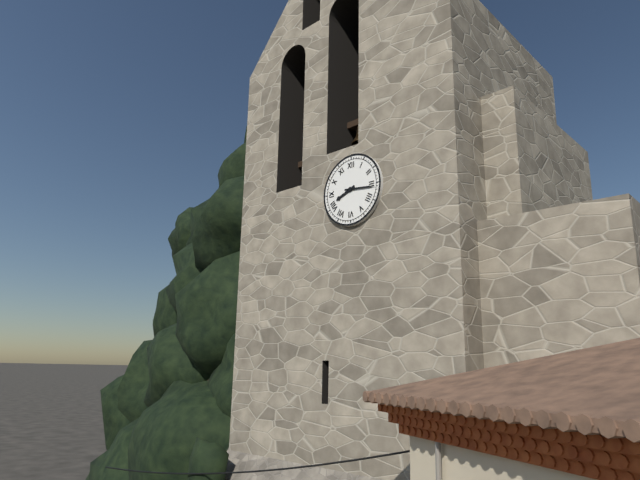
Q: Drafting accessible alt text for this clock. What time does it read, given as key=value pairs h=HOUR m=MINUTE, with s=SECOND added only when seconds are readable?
h=8 m=16
